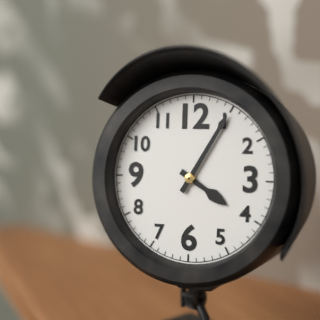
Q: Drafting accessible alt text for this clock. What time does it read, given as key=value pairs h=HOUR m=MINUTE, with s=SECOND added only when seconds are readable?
h=4 m=5
